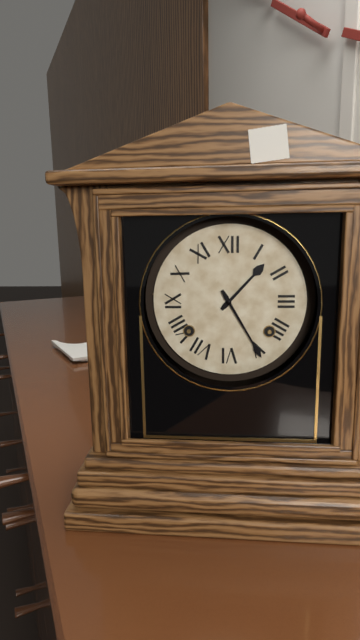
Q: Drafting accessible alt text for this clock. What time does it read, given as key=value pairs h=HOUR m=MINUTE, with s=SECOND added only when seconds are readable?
h=1 m=25
